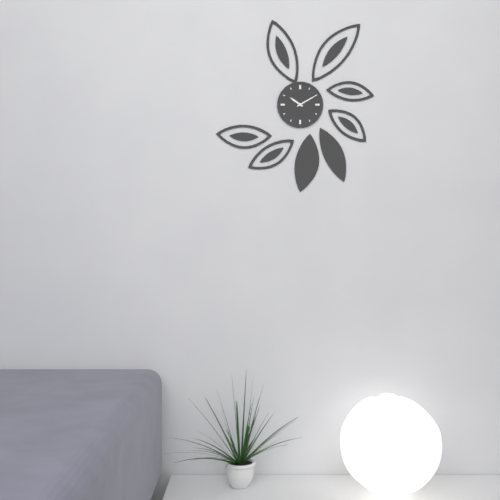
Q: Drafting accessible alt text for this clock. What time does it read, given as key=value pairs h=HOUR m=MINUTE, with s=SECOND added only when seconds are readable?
h=10 m=10
